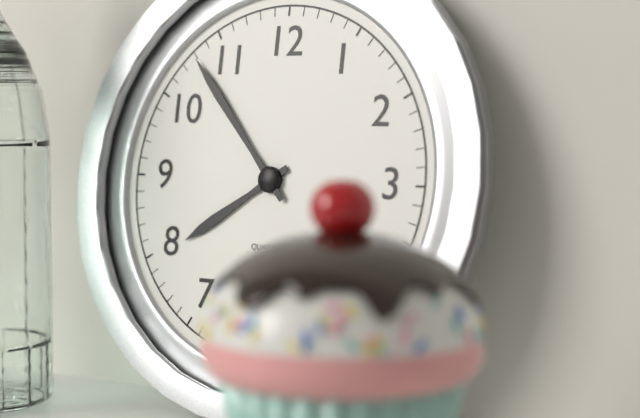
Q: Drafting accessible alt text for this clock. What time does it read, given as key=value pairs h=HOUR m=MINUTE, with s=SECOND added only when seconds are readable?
h=7 m=53
